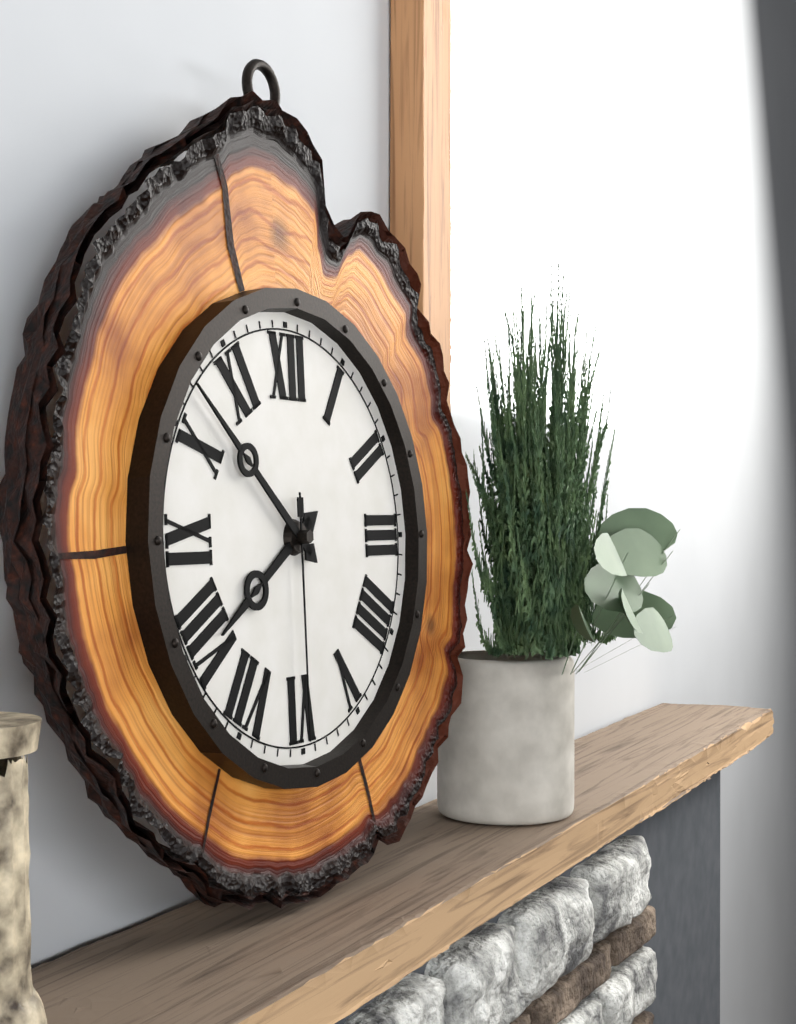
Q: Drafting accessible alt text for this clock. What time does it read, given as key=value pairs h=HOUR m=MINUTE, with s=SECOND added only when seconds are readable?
h=7 m=52 s=30
